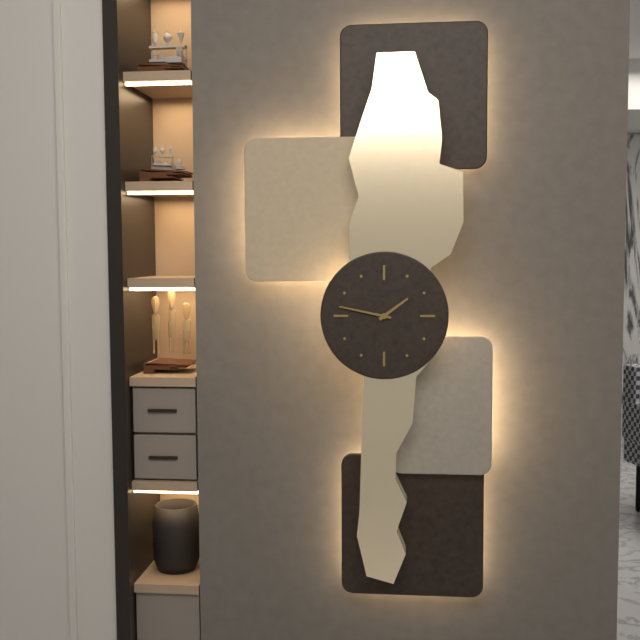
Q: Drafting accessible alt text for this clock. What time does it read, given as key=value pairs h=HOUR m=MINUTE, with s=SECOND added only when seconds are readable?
h=1 m=47
